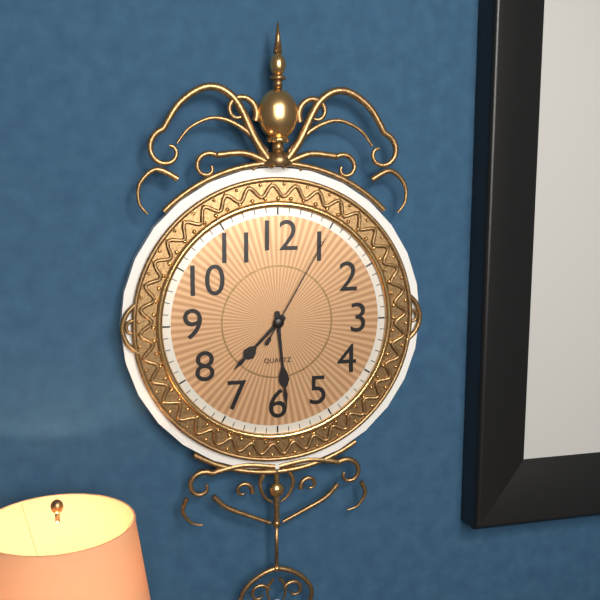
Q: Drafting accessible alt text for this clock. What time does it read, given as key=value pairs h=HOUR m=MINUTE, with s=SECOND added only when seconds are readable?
h=7 m=29 s=5
